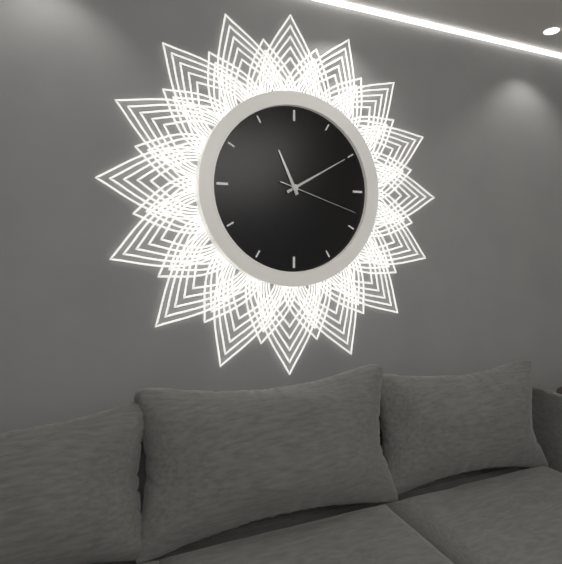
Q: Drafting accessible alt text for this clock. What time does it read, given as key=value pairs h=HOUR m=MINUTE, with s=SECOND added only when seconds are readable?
h=11 m=10 s=18
